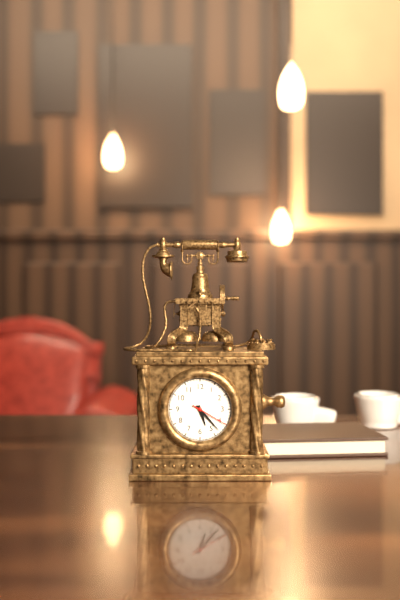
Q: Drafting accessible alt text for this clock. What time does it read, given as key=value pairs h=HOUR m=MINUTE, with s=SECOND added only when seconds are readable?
h=5 m=23
